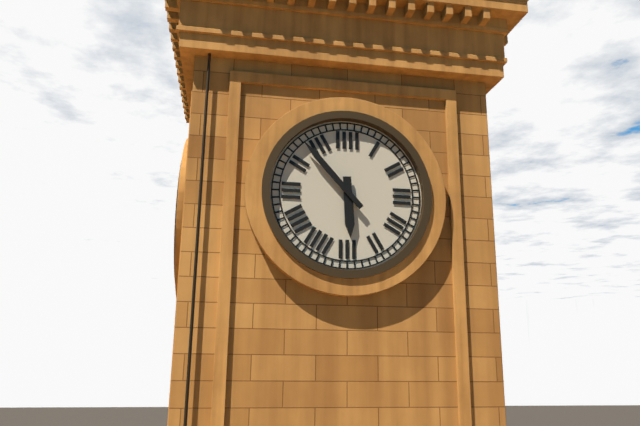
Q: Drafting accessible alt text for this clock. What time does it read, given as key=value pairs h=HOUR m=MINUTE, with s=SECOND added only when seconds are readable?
h=5 m=53
